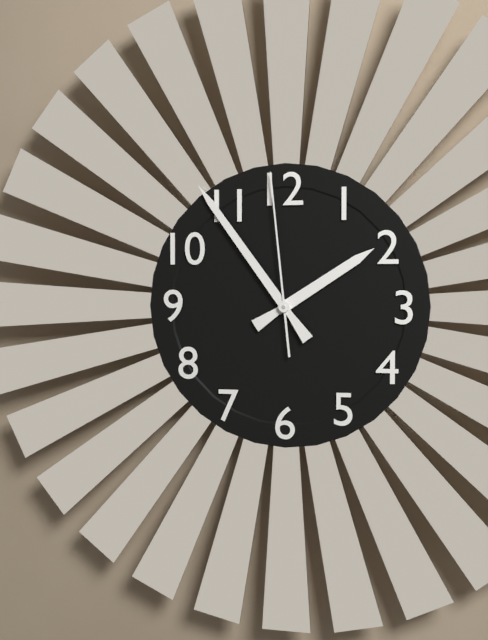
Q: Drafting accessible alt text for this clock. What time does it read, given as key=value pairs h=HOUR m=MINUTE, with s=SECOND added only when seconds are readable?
h=1 m=54 s=59
